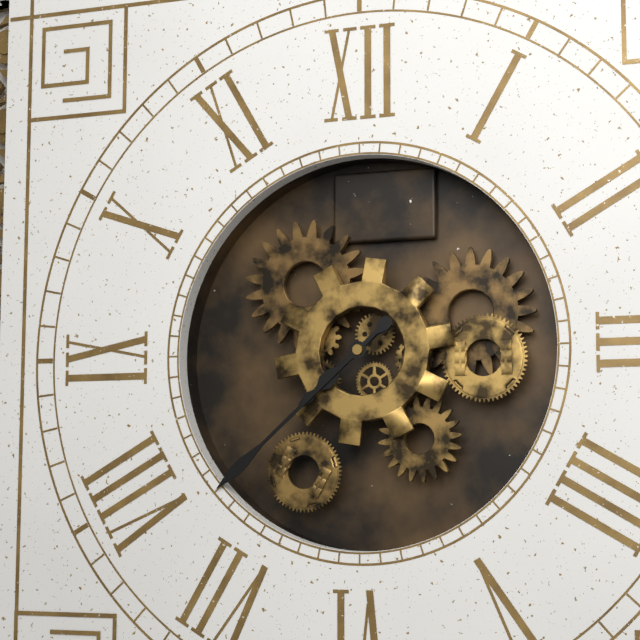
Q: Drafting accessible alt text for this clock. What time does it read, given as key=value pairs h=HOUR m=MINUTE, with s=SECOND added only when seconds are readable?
h=7 m=38
